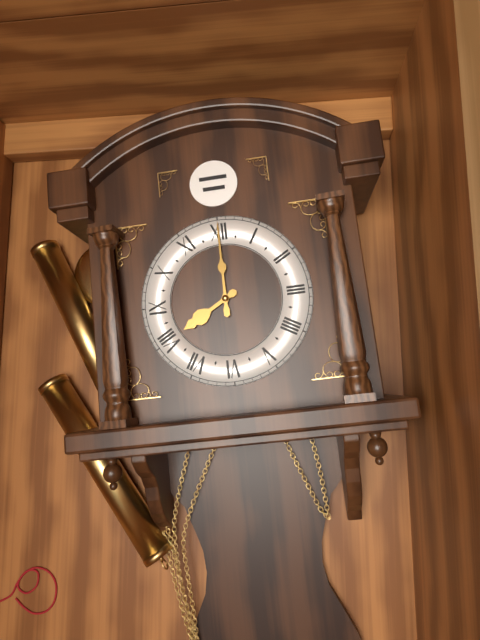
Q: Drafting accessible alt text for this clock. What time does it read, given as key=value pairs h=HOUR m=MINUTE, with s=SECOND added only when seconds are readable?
h=8 m=0
